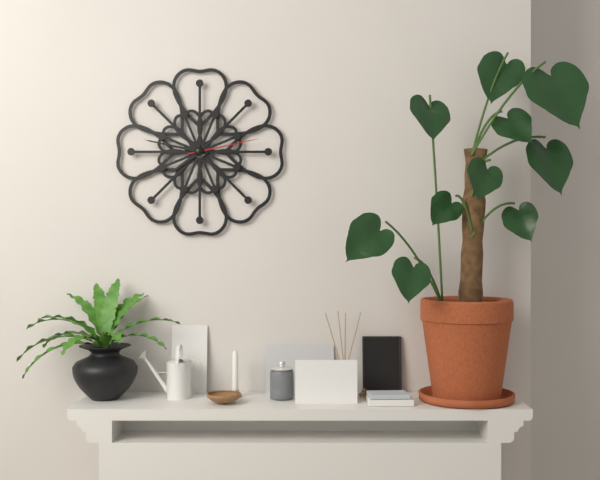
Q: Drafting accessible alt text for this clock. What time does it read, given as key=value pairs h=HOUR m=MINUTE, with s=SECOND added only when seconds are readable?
h=7 m=47 s=13
